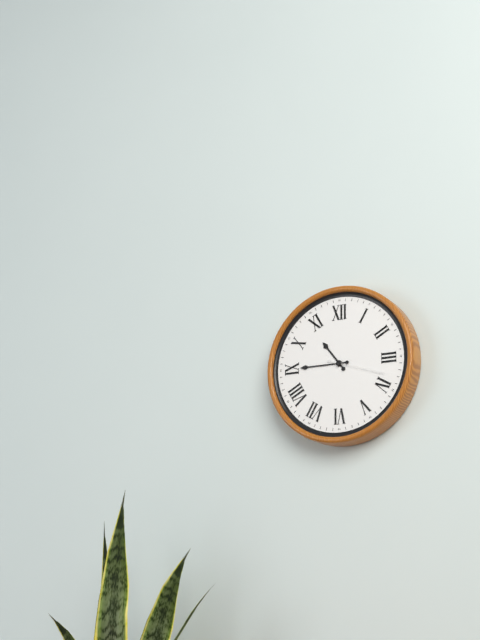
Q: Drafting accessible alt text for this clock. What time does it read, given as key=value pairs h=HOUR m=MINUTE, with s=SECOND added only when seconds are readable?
h=10 m=45 s=18
